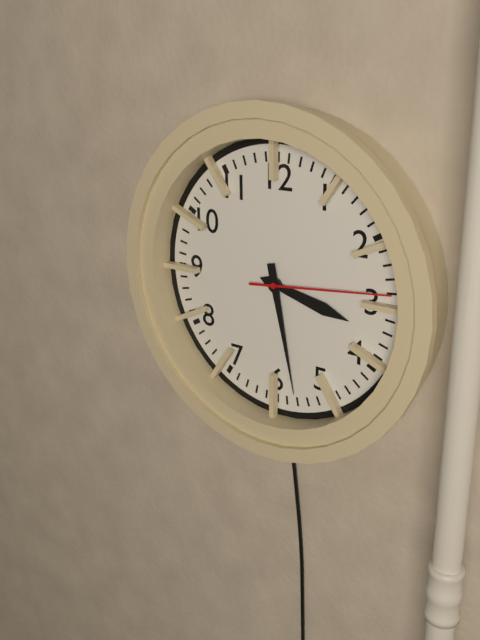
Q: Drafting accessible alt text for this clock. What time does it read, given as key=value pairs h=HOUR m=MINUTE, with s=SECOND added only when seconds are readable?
h=3 m=28 s=14
